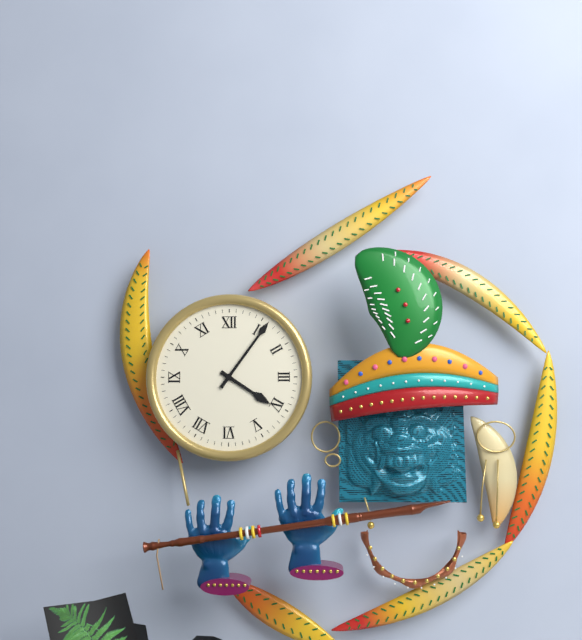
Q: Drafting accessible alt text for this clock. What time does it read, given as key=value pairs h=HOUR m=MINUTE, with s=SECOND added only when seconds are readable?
h=4 m=6
